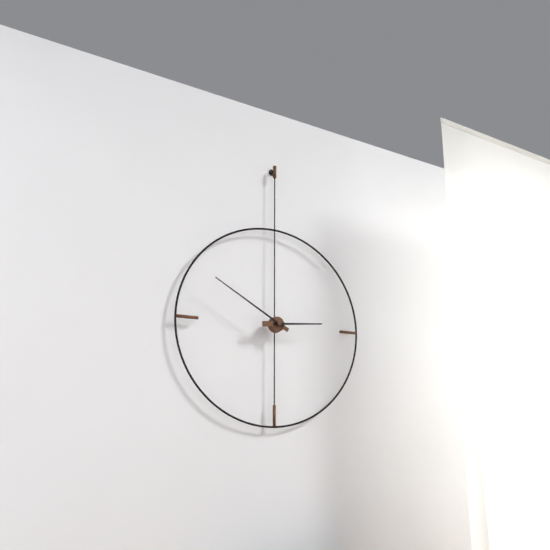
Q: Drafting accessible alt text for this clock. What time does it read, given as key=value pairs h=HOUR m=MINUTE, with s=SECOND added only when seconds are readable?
h=2 m=50
